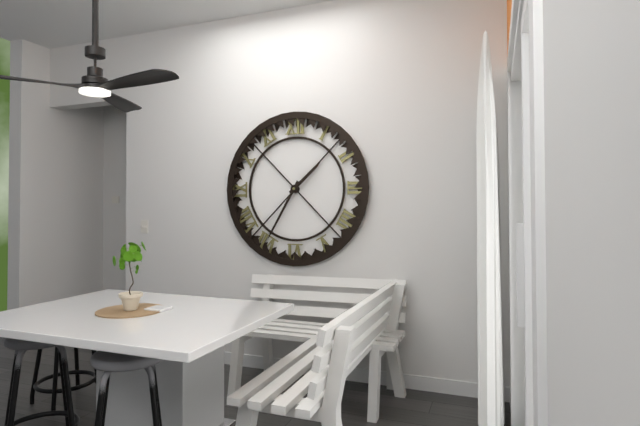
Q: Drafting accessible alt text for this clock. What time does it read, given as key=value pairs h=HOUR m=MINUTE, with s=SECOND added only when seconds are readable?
h=1 m=35
